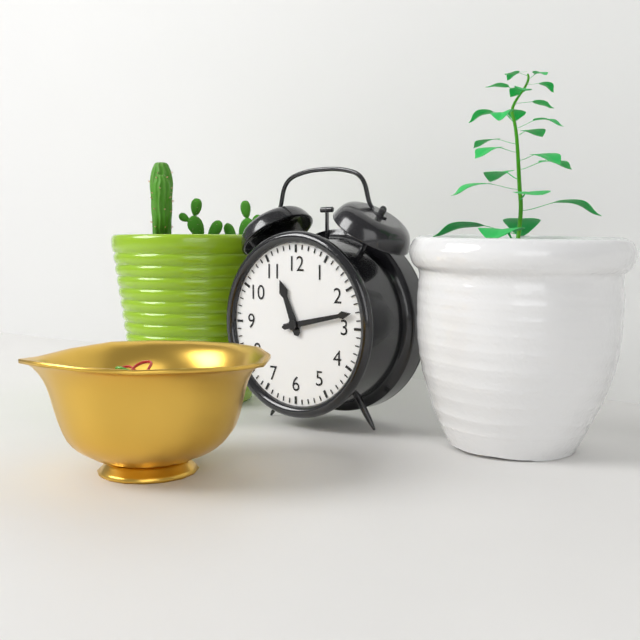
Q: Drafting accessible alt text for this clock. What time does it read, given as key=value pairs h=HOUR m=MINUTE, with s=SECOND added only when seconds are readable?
h=11 m=13
